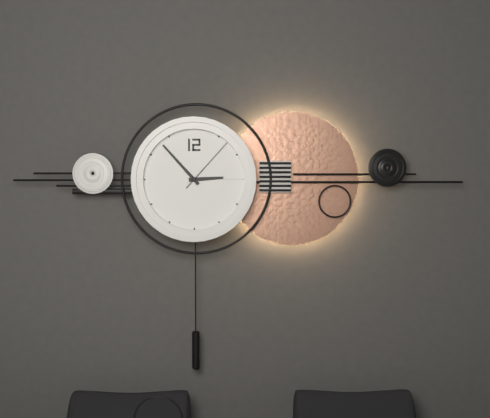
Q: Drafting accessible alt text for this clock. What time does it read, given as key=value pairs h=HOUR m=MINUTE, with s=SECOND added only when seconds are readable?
h=2 m=53 s=7
